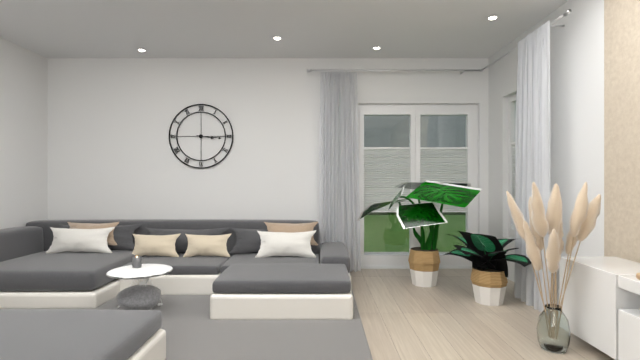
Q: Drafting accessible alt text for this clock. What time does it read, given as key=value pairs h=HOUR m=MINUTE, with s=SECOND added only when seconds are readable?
h=3 m=16
